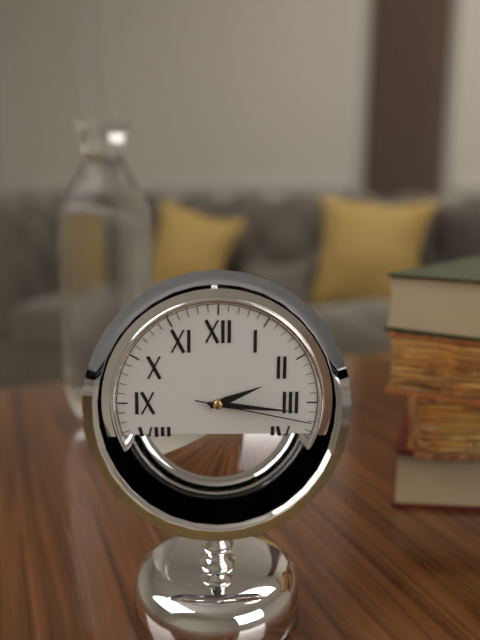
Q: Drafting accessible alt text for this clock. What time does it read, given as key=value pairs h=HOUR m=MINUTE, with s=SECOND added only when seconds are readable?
h=2 m=16 s=17
